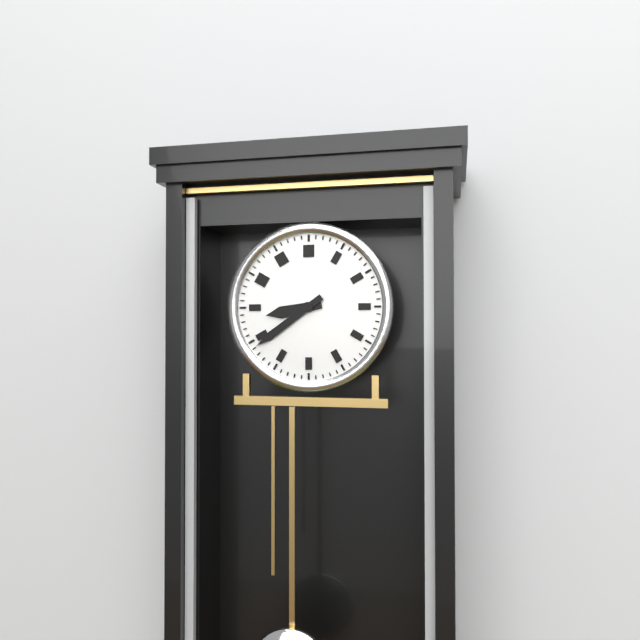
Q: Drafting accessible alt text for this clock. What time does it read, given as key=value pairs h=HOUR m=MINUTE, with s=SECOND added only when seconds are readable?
h=8 m=39
